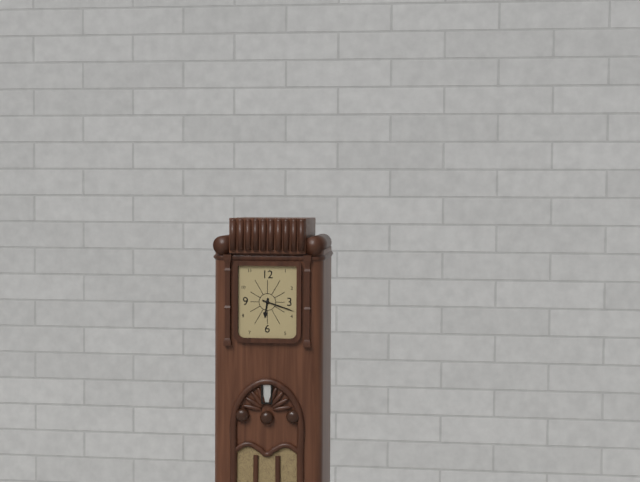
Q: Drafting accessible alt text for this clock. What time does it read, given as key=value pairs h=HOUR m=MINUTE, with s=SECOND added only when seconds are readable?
h=6 m=18
